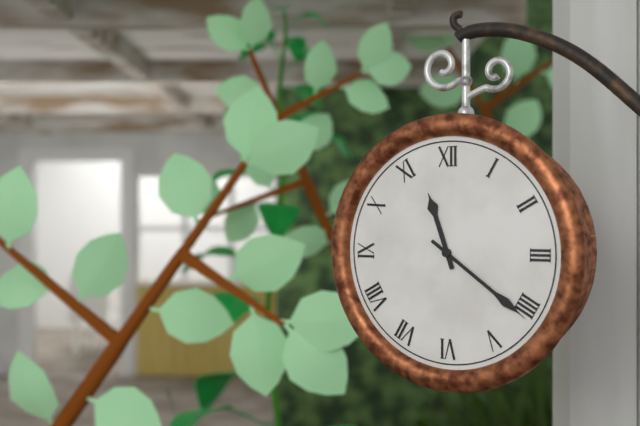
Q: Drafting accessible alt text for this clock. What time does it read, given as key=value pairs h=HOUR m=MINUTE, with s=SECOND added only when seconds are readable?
h=11 m=21
